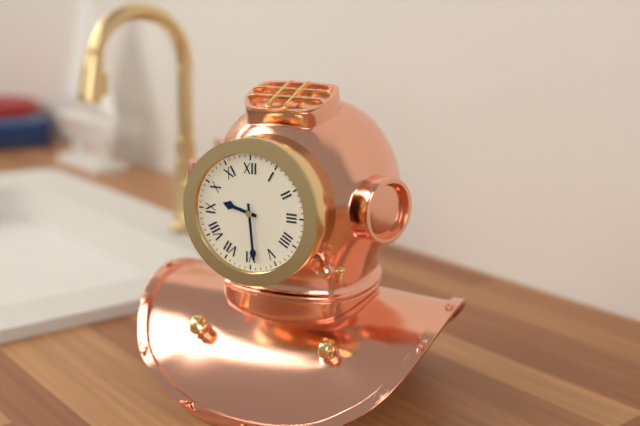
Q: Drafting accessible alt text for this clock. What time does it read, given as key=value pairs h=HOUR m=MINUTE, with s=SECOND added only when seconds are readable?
h=9 m=29
